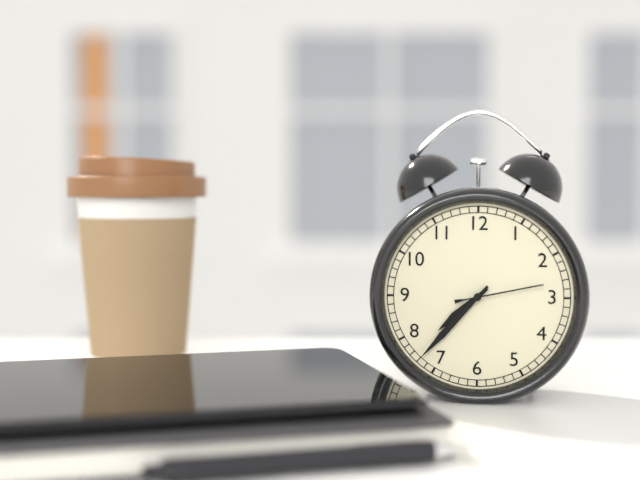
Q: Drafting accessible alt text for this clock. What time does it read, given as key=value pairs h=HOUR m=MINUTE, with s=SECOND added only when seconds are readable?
h=7 m=37 s=13
